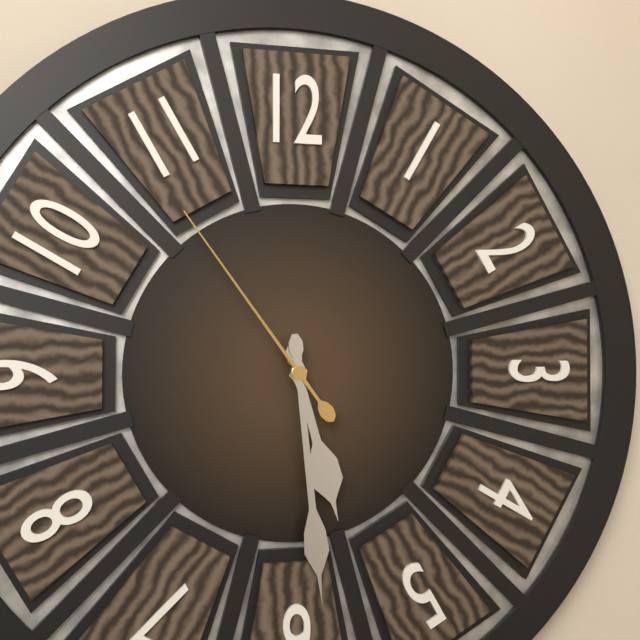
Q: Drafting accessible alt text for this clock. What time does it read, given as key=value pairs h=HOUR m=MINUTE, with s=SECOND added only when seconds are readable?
h=5 m=29 s=54
